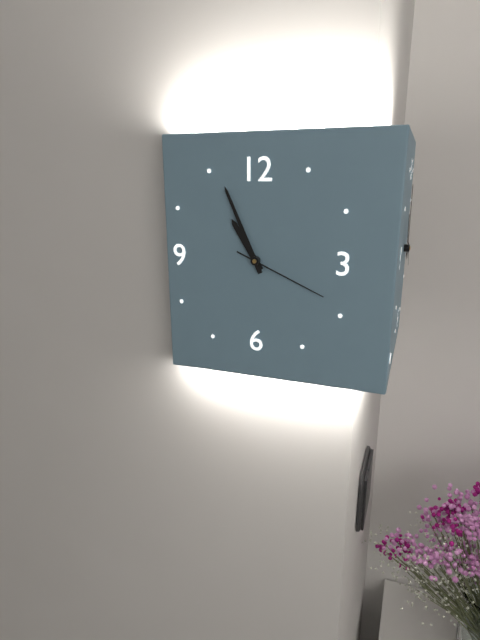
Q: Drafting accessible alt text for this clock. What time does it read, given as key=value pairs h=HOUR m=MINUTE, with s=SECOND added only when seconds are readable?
h=10 m=56 s=19
